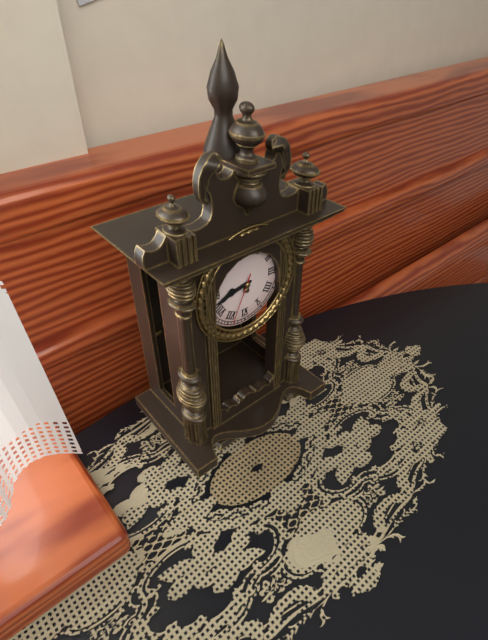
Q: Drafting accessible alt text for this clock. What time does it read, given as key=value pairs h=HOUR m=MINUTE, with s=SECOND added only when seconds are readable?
h=8 m=43 s=34
